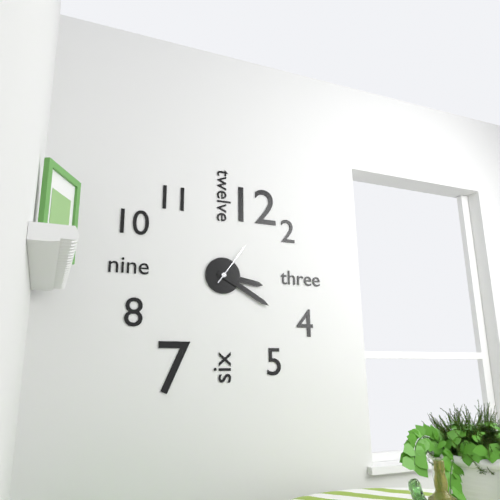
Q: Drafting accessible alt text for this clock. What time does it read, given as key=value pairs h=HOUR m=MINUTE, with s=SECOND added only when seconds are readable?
h=3 m=20
